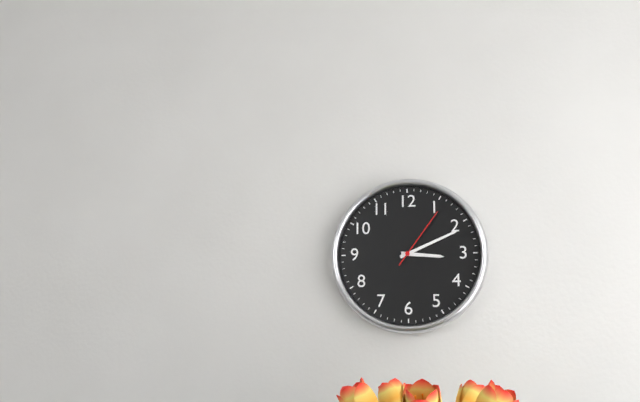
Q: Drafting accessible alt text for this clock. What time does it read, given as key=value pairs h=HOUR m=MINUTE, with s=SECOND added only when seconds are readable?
h=3 m=11 s=6
